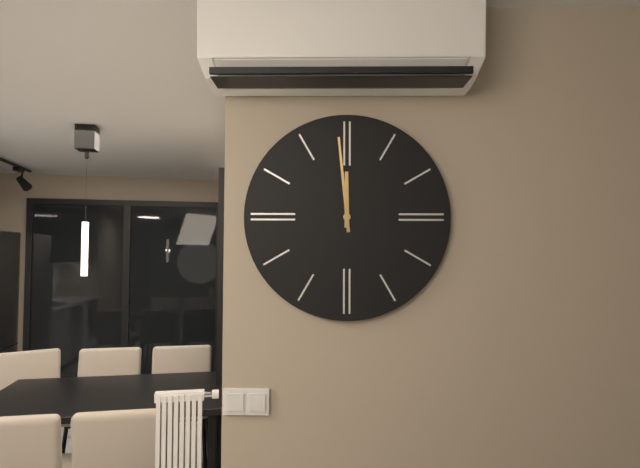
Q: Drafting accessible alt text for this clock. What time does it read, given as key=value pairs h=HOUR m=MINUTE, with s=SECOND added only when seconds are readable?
h=11 m=59
